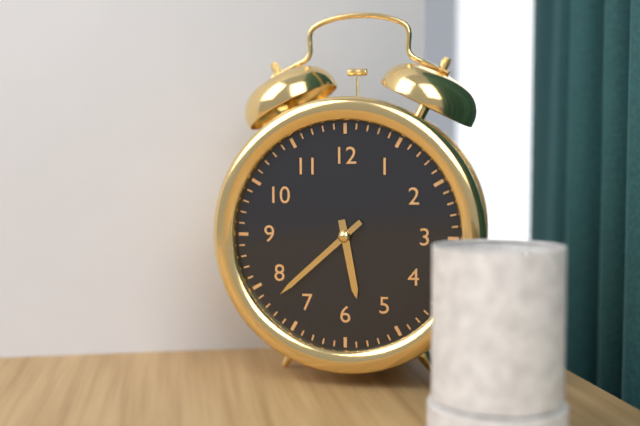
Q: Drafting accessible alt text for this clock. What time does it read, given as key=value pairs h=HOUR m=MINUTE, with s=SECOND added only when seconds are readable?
h=5 m=38
